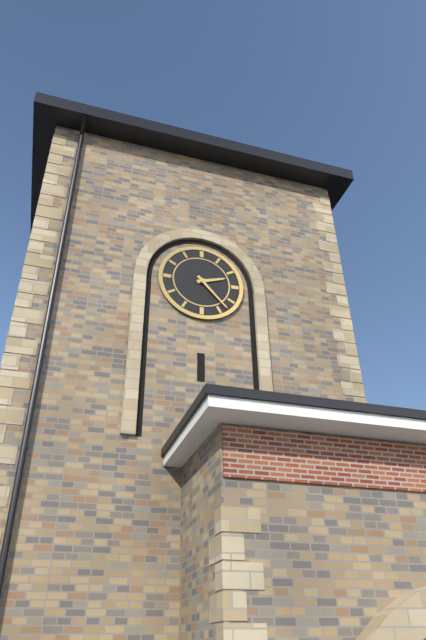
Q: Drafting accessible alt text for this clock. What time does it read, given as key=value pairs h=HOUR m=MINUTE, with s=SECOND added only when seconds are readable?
h=2 m=23
